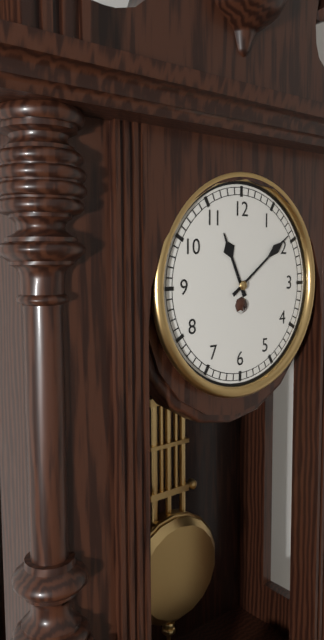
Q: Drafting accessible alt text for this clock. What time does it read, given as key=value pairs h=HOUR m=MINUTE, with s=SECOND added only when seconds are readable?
h=11 m=9
